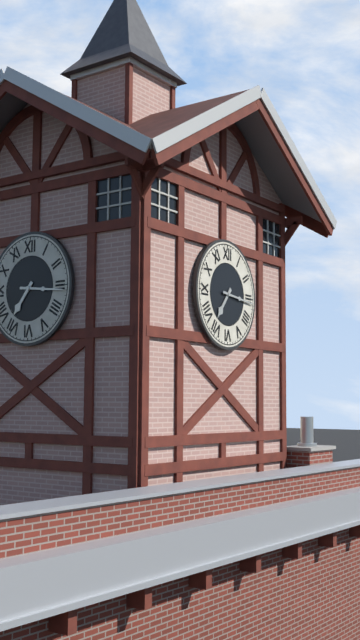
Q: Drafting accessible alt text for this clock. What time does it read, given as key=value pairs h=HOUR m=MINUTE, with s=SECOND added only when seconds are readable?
h=7 m=16
